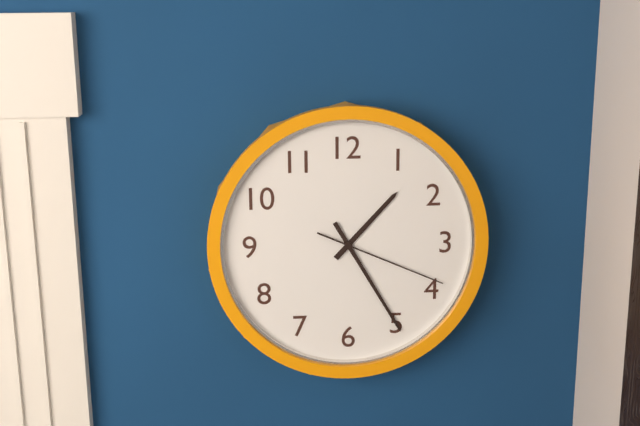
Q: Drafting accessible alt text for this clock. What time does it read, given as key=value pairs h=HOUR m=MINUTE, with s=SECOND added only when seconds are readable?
h=1 m=25 s=19
